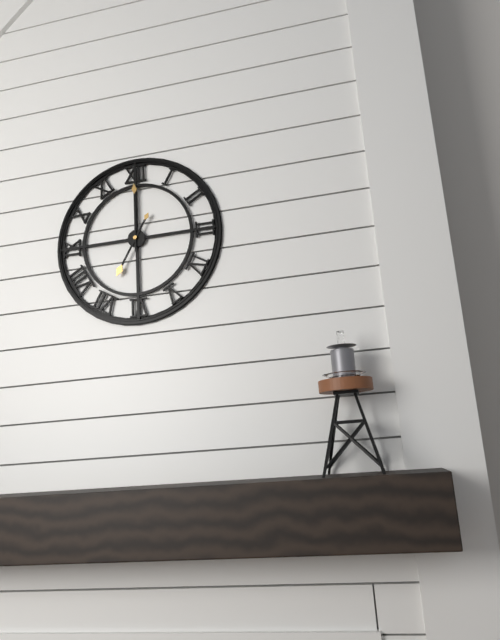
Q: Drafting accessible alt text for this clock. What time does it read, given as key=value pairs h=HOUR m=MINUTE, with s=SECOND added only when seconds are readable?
h=7 m=0
